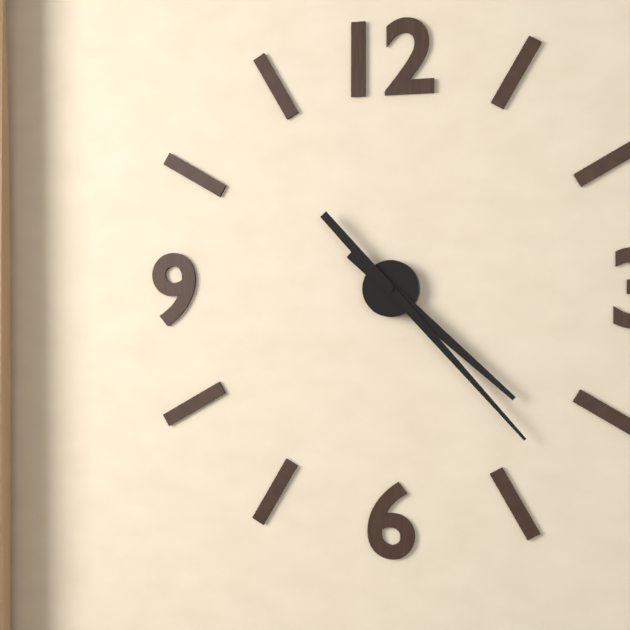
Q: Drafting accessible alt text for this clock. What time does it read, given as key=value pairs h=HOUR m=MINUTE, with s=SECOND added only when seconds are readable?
h=4 m=23
